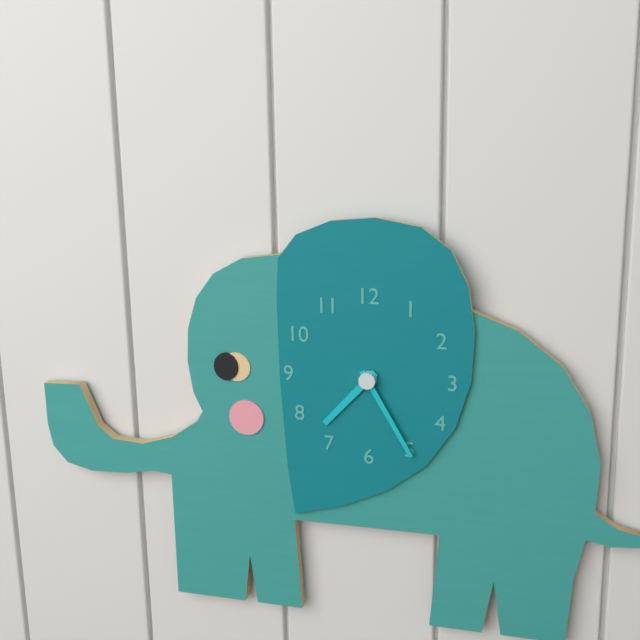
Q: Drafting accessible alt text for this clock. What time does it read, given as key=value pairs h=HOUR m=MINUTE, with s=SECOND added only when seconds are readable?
h=7 m=25
